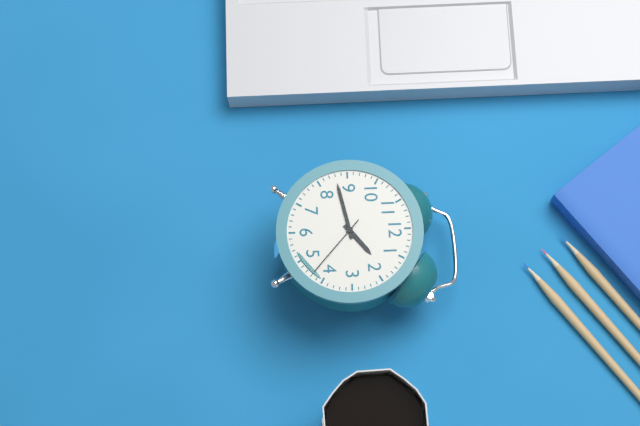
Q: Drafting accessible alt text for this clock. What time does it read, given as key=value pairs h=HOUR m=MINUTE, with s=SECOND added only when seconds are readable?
h=1 m=43 s=22
